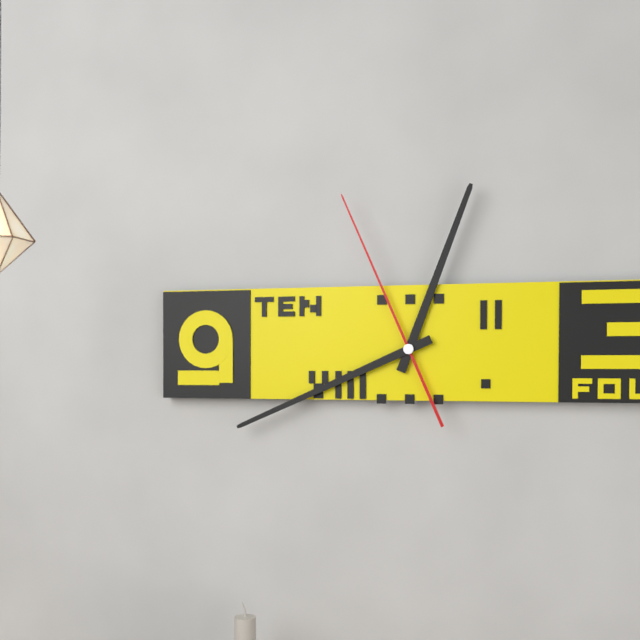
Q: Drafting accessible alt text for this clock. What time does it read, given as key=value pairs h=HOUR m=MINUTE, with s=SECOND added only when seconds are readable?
h=12 m=41 s=56
